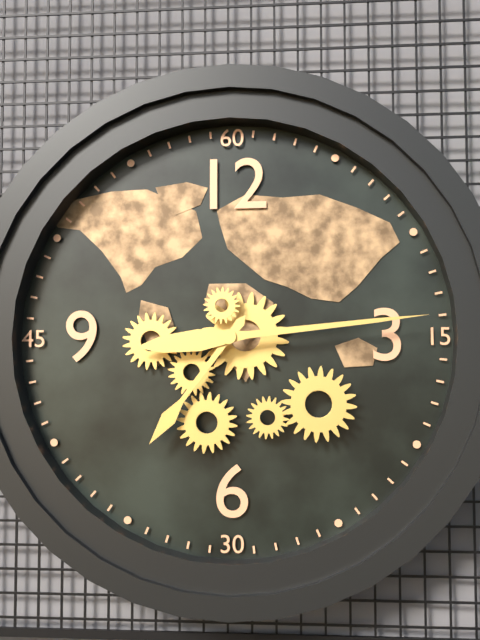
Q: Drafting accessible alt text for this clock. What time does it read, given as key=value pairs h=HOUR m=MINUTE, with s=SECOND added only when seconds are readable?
h=7 m=14
